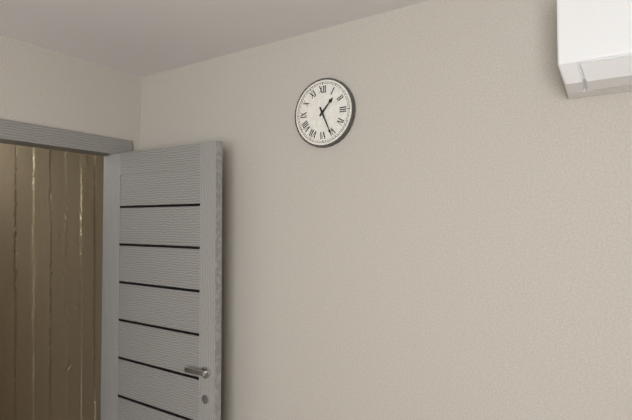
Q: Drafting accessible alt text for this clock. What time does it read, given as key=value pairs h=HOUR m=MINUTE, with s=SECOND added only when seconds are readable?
h=1 m=26
